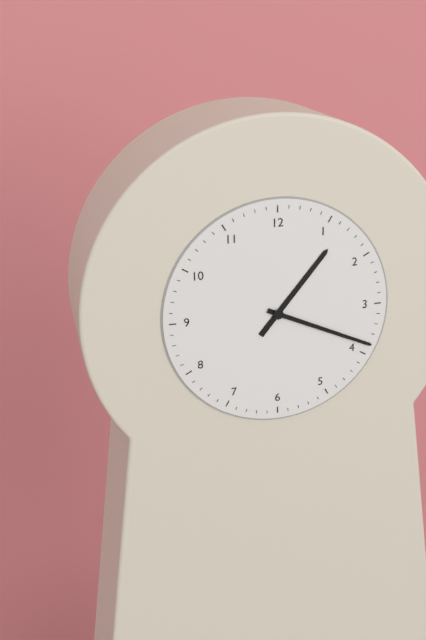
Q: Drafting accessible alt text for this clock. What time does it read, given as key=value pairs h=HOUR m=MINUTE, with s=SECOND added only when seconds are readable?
h=1 m=19
